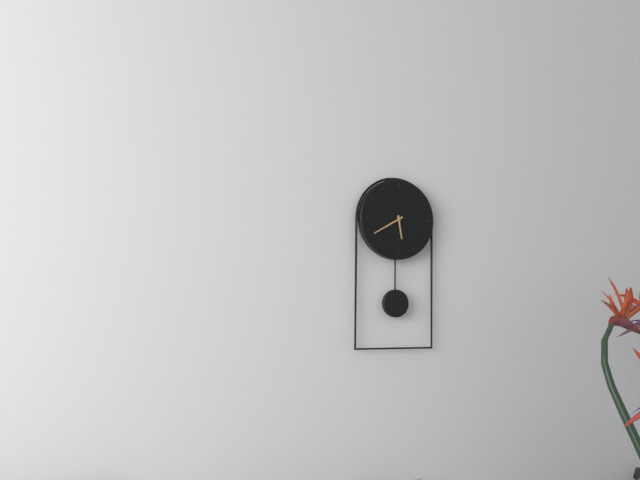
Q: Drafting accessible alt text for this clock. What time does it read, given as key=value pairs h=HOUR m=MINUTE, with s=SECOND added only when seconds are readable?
h=5 m=40
